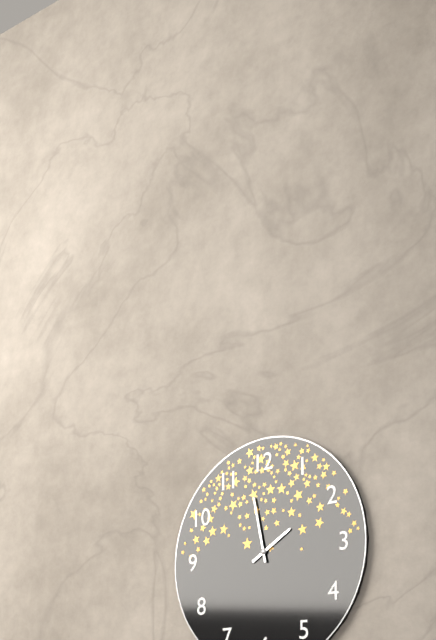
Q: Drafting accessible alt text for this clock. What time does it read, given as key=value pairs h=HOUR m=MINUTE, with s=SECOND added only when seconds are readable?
h=1 m=58
